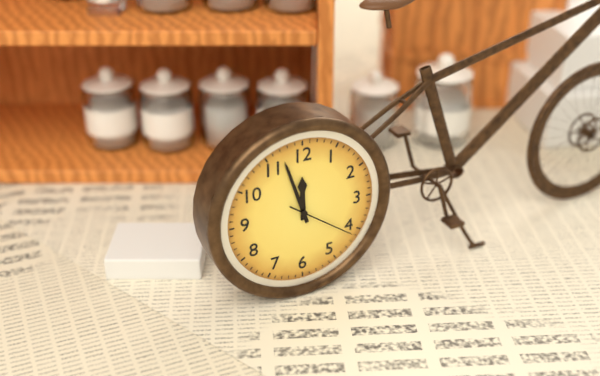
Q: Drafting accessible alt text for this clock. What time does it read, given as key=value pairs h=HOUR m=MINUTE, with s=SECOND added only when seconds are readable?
h=11 m=57 s=21
